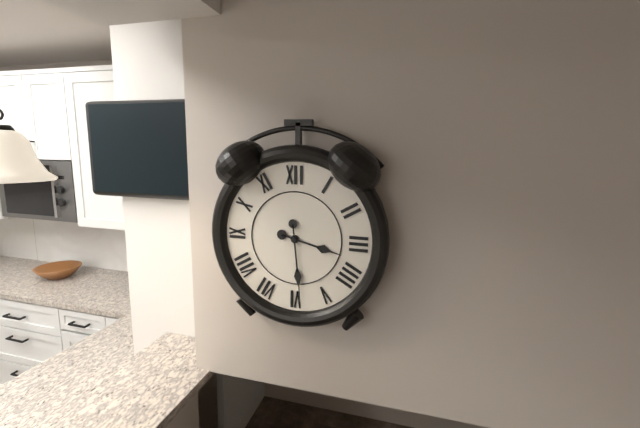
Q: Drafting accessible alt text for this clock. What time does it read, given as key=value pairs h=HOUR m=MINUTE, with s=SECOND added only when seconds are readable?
h=3 m=29
